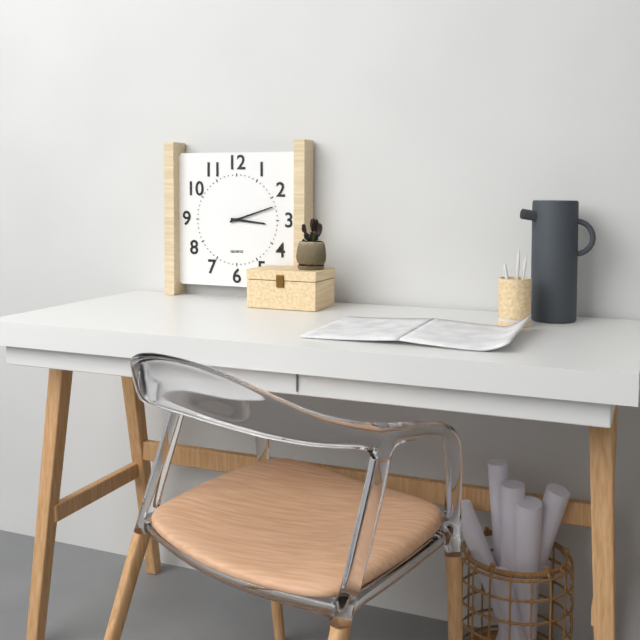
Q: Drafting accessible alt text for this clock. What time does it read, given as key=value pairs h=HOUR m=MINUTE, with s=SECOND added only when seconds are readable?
h=3 m=12
